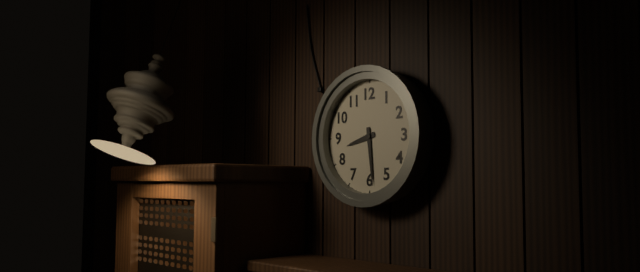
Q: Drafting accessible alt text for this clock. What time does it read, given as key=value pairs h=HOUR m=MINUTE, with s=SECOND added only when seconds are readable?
h=8 m=29
